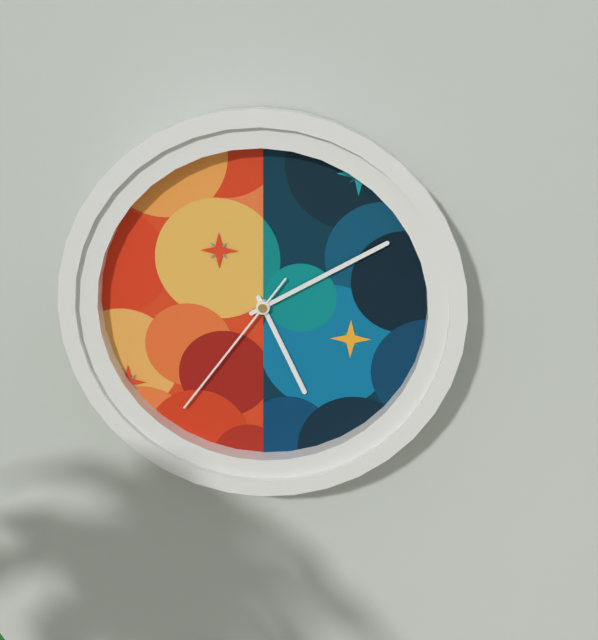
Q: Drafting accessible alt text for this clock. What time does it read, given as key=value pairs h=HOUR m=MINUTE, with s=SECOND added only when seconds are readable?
h=5 m=10 s=36
